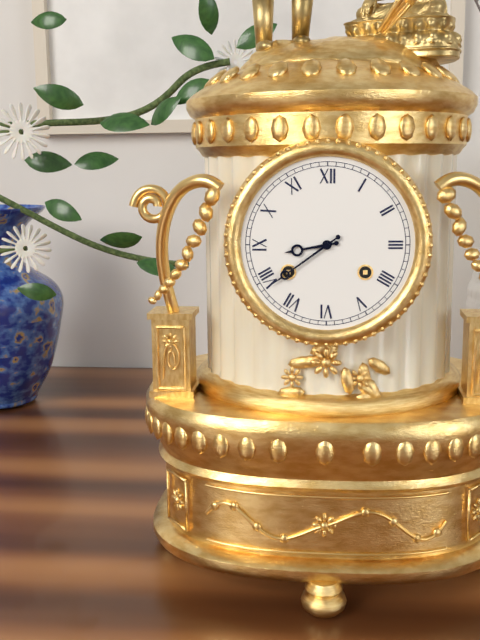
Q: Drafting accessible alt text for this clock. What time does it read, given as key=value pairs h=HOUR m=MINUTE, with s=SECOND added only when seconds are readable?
h=8 m=39
